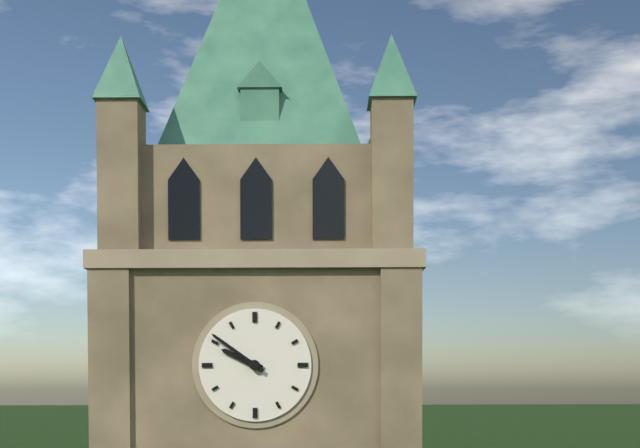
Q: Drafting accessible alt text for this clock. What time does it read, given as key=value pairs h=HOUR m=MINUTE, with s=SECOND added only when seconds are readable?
h=9 m=51
